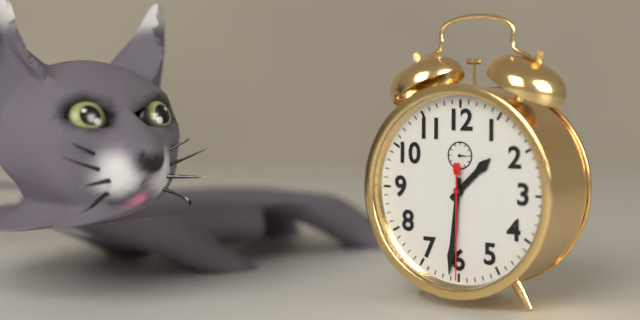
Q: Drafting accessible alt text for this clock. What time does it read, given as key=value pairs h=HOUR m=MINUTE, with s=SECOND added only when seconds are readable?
h=1 m=31 s=30
